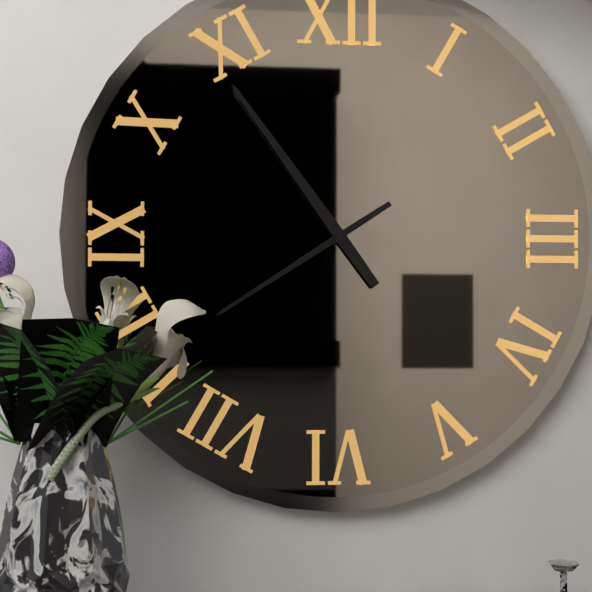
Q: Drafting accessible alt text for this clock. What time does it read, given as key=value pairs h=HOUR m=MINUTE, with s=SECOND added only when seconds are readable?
h=7 m=54
